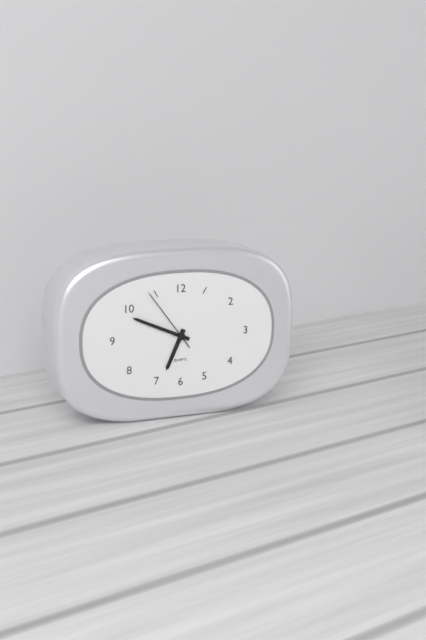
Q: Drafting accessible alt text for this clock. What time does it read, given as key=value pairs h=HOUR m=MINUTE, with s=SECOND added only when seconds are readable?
h=6 m=49 s=54
